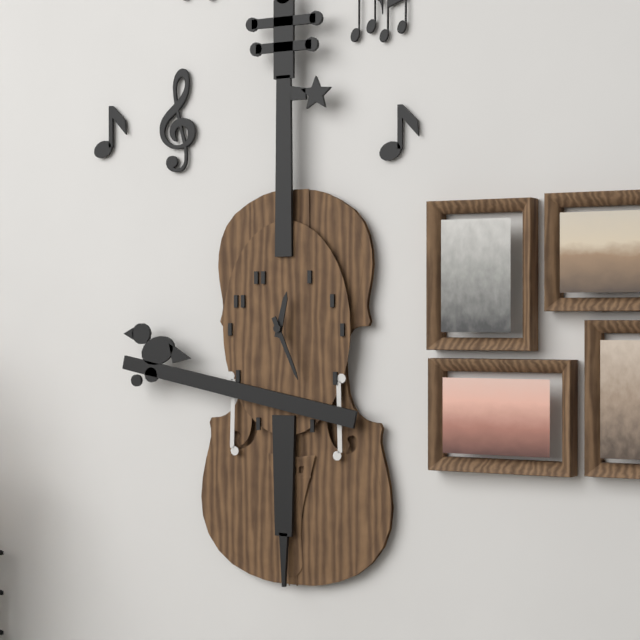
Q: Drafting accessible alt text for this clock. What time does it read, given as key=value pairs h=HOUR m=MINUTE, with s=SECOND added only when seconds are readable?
h=12 m=26
